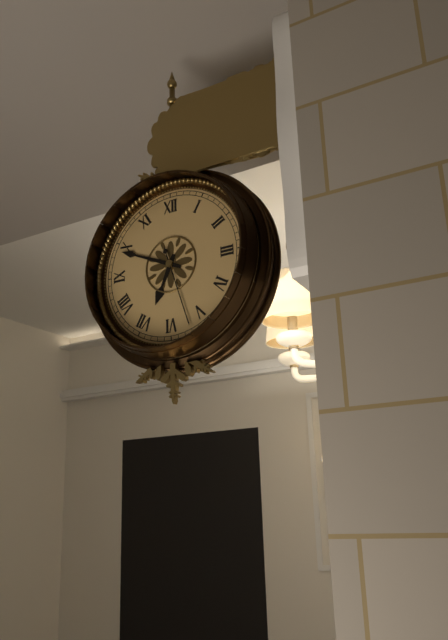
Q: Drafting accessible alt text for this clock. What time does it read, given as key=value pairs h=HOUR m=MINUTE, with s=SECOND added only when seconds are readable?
h=6 m=49 s=27
